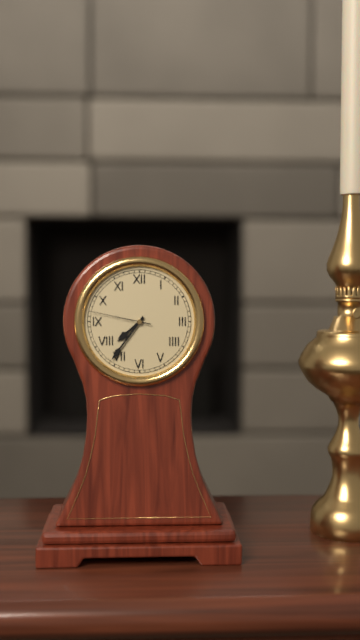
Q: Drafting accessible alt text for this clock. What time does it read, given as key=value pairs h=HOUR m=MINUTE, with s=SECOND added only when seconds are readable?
h=7 m=36 s=47
